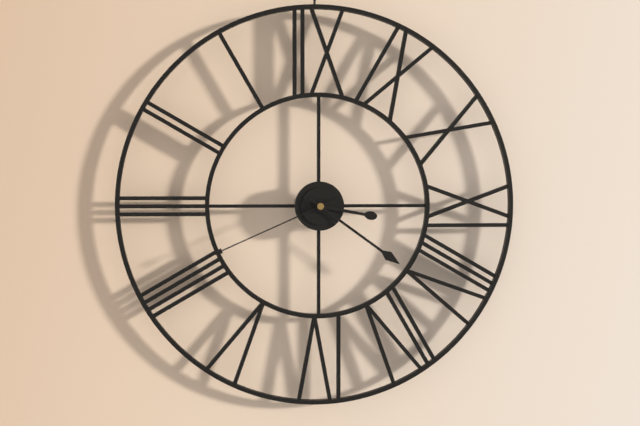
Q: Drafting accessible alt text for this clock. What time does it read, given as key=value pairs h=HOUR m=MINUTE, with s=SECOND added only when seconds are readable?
h=3 m=21 s=41
